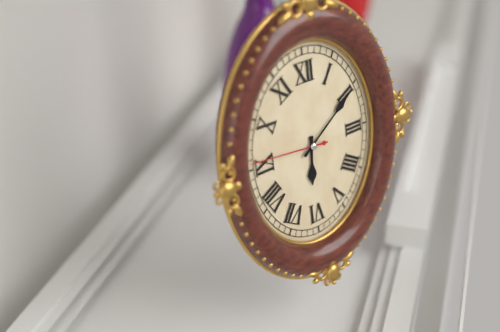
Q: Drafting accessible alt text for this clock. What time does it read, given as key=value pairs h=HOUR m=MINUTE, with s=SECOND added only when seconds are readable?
h=6 m=9 s=46
